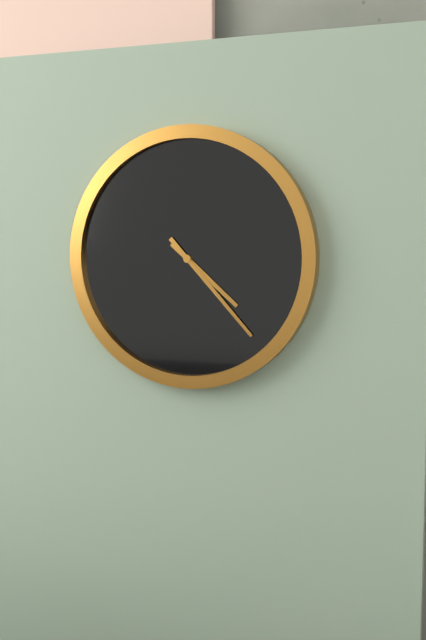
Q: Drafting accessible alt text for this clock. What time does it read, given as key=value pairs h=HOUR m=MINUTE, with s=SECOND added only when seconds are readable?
h=4 m=23
